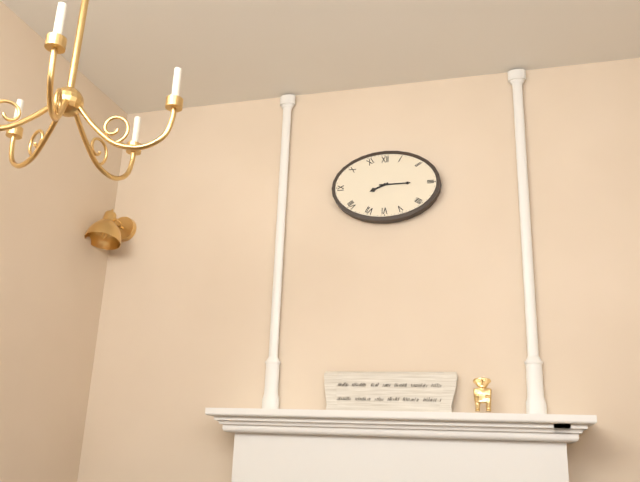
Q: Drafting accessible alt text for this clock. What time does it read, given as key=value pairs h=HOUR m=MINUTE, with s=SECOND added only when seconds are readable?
h=8 m=15
